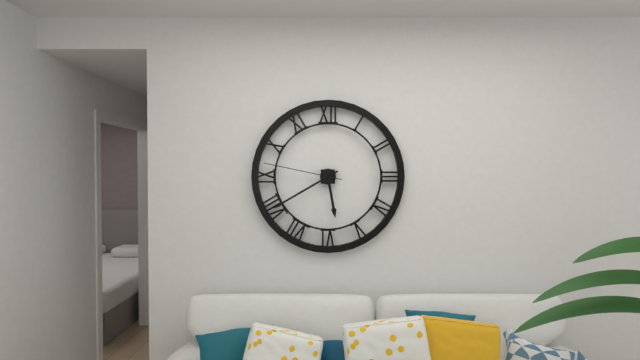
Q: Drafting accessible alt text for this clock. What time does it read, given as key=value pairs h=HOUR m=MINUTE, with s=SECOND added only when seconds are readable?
h=5 m=40 s=47
